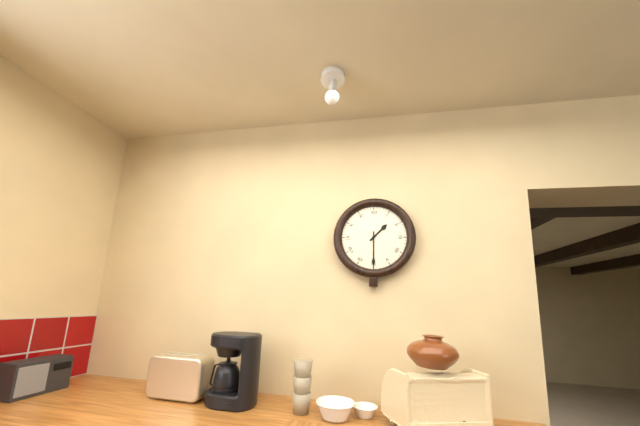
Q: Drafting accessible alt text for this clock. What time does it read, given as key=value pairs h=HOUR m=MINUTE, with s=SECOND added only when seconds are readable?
h=1 m=30
